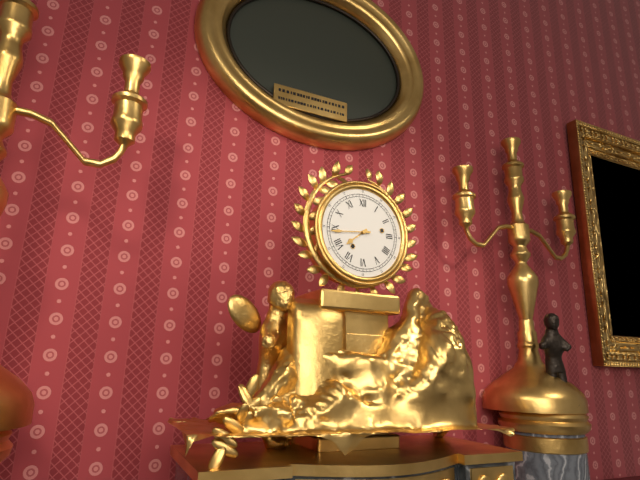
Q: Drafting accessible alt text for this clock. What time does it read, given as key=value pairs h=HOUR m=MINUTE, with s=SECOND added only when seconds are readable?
h=7 m=44
